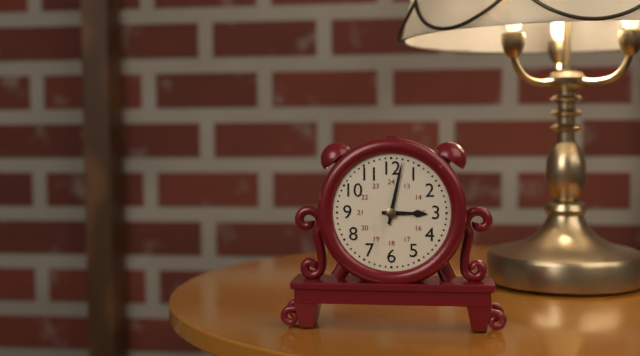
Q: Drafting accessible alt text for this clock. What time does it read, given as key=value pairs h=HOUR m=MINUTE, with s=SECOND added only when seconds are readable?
h=3 m=2
